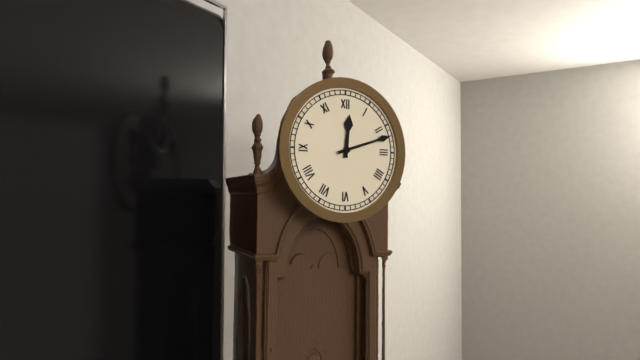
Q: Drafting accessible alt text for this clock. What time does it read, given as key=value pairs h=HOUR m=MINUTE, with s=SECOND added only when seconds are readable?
h=12 m=12
